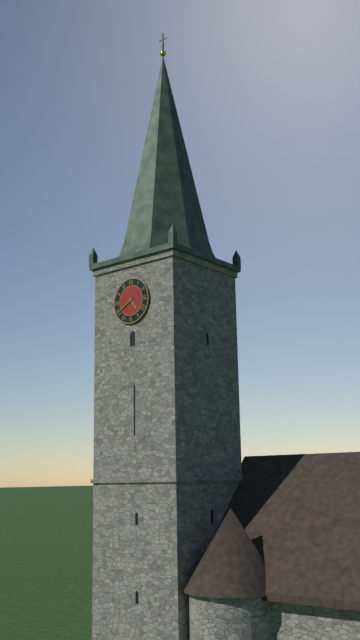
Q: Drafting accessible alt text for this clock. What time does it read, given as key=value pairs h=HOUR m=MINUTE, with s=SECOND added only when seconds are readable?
h=4 m=40
